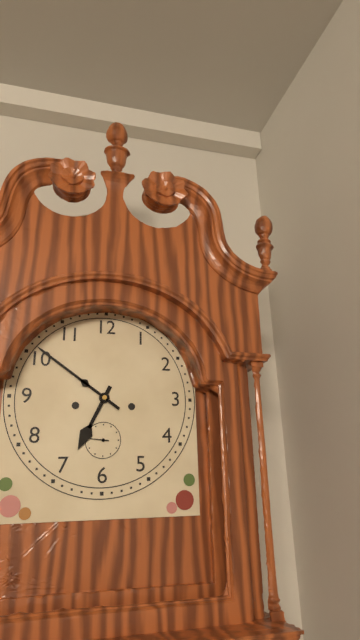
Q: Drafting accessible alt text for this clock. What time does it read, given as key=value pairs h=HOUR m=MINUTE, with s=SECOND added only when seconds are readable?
h=6 m=51
